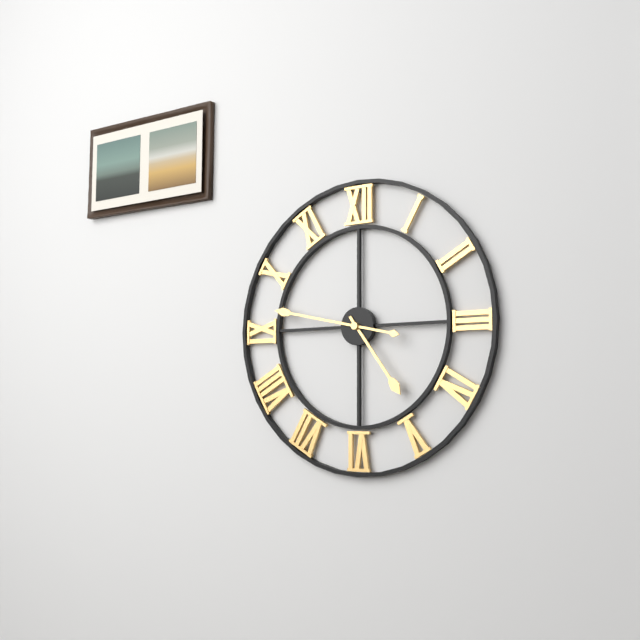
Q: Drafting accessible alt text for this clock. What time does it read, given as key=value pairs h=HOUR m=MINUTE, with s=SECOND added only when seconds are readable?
h=4 m=47
